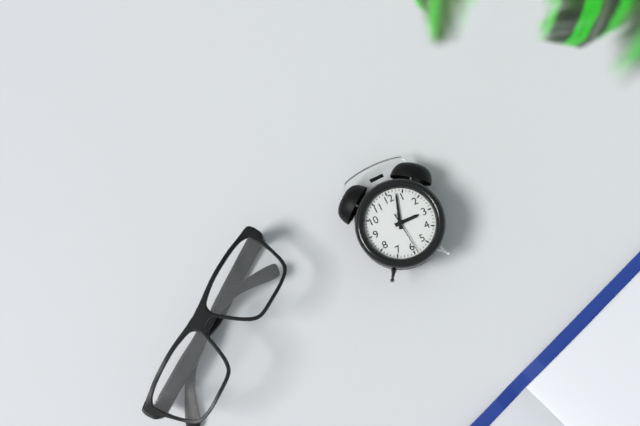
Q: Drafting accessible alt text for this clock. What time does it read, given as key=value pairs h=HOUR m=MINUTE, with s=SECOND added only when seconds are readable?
h=3 m=3
